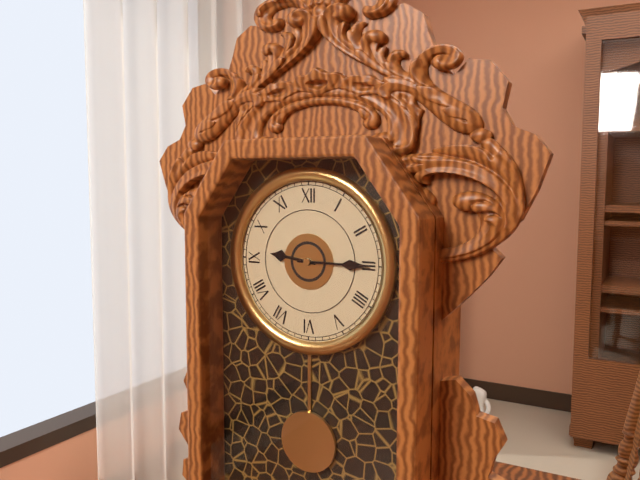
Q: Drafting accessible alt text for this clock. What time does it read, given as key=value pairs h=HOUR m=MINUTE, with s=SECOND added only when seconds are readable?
h=9 m=15
